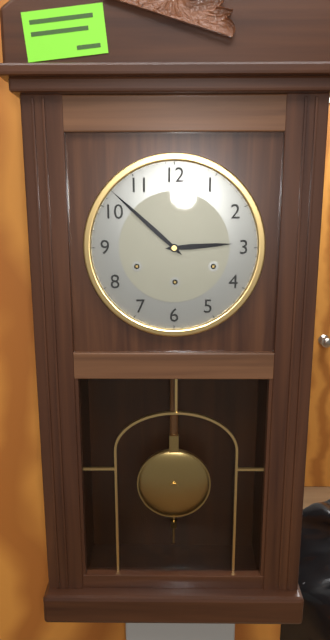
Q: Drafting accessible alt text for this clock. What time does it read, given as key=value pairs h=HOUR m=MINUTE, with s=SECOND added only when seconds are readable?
h=2 m=52
